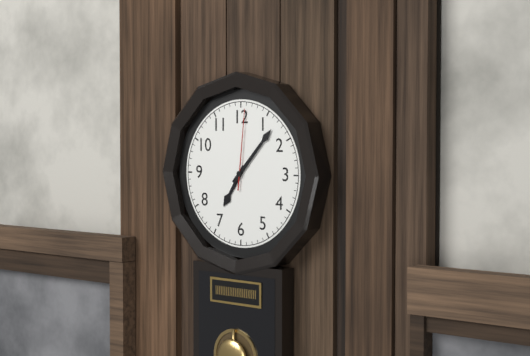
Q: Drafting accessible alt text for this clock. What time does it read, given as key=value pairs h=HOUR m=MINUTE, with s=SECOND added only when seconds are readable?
h=7 m=7 s=1
